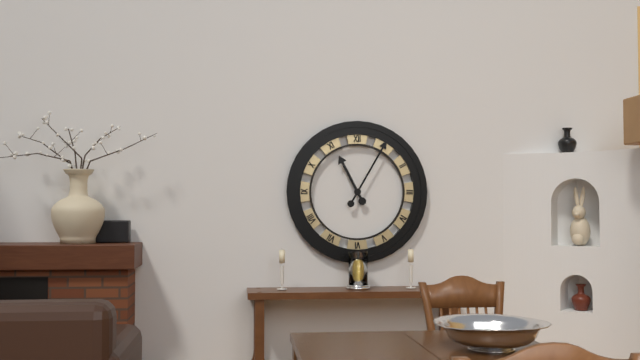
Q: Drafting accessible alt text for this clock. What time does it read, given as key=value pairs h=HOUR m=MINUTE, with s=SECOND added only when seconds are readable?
h=11 m=5
